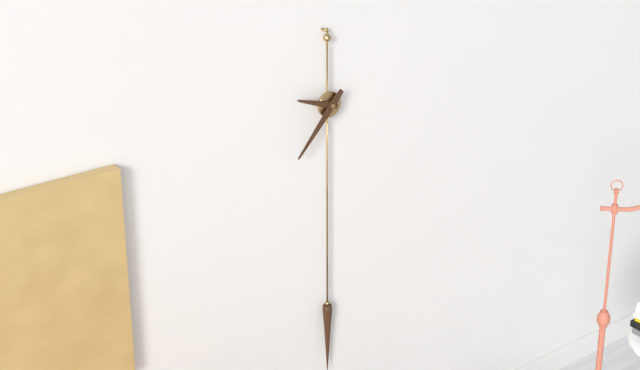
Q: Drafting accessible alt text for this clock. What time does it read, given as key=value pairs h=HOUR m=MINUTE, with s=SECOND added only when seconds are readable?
h=9 m=37
